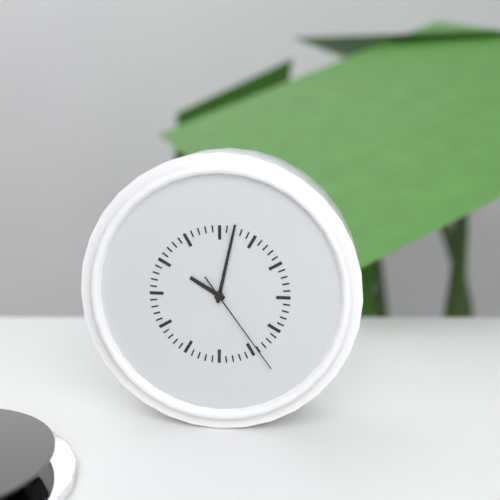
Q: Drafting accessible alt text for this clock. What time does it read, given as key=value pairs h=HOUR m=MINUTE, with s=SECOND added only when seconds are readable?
h=10 m=2 s=24
